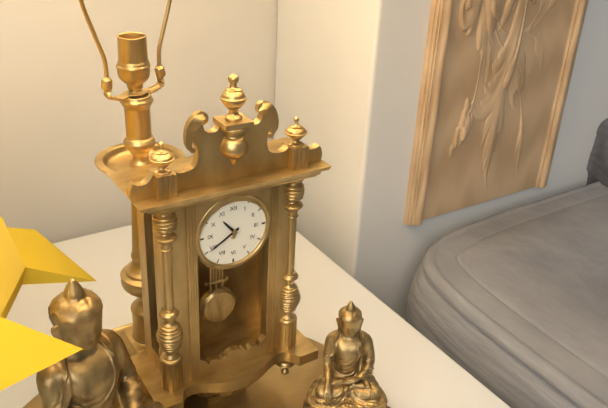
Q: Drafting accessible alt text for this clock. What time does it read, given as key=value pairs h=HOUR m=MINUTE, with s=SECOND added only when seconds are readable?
h=10 m=40
